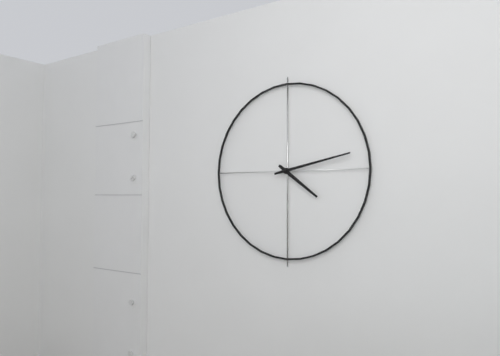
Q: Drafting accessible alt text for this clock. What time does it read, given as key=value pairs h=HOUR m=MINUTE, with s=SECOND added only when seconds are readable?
h=4 m=13
